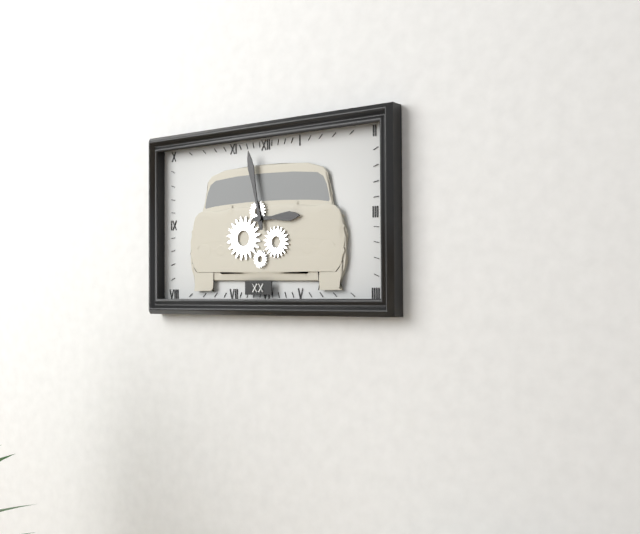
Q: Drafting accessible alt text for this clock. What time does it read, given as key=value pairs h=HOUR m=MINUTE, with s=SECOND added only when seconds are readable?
h=2 m=58
